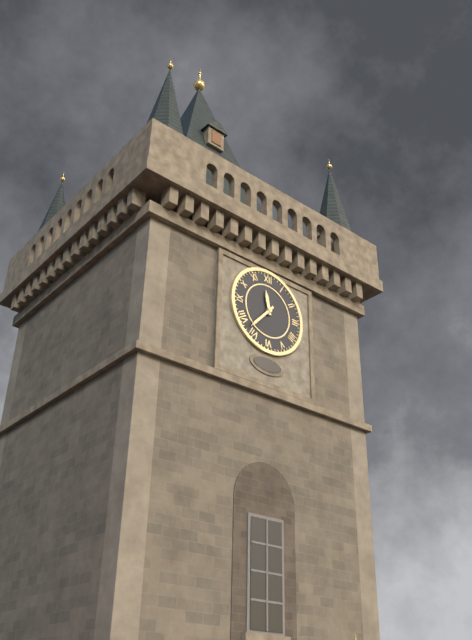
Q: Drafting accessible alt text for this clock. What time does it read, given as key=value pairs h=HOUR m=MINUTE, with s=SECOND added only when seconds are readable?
h=11 m=37
